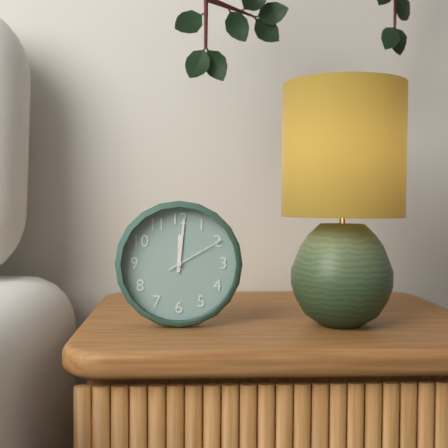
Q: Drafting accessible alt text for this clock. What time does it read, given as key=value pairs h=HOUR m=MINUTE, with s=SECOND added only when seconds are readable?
h=12 m=1 s=10
